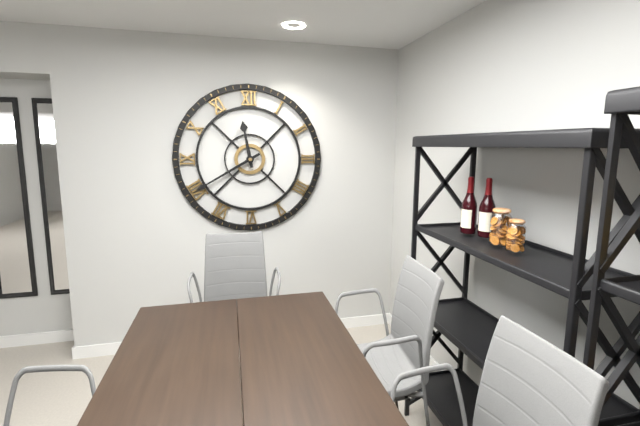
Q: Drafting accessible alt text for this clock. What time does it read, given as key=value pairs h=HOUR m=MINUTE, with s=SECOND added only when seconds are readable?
h=11 m=40
